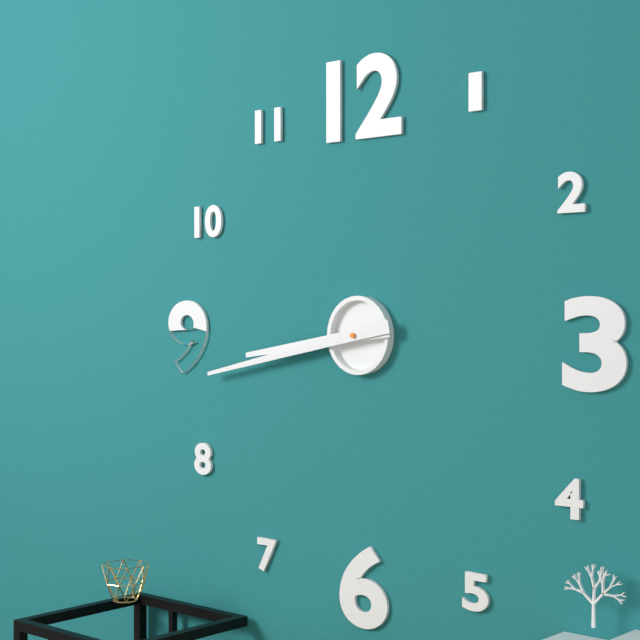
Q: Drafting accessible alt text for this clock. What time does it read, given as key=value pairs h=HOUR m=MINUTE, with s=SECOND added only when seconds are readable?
h=8 m=43
